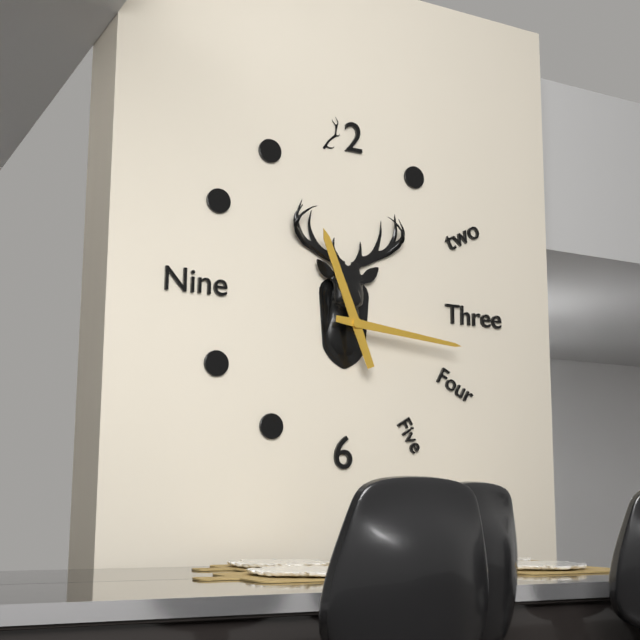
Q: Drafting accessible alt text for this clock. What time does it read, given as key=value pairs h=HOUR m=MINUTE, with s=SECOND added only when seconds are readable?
h=11 m=16
